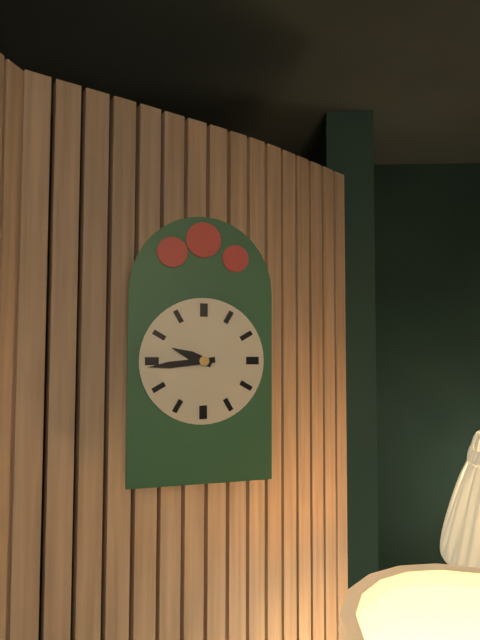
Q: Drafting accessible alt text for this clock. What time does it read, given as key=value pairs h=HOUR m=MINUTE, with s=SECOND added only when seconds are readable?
h=9 m=44
